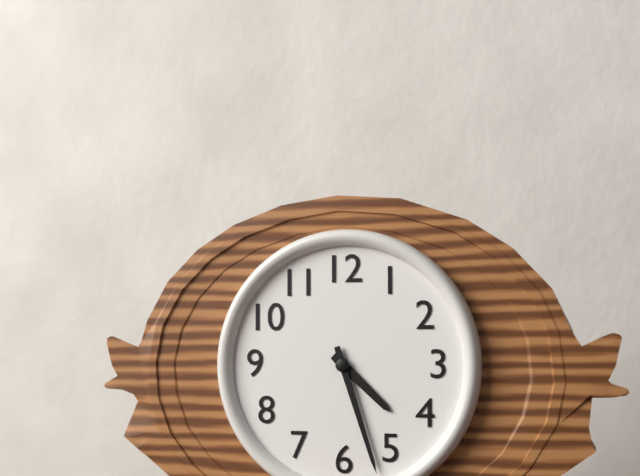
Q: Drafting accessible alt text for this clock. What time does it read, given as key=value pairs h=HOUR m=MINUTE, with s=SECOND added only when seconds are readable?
h=4 m=27
